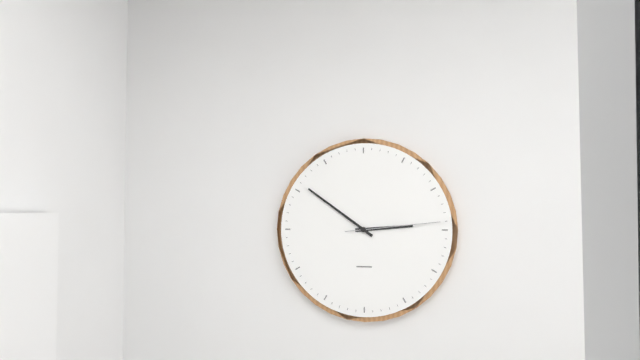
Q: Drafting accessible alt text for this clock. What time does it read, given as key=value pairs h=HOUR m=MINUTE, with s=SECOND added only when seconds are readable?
h=2 m=51 s=14
